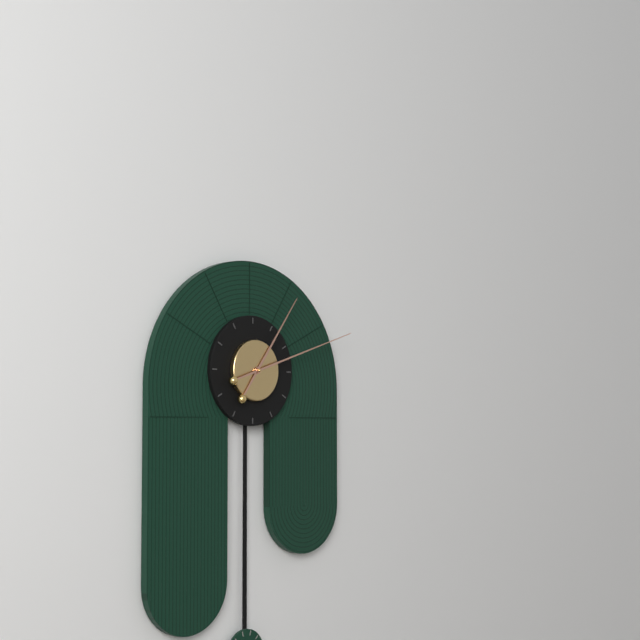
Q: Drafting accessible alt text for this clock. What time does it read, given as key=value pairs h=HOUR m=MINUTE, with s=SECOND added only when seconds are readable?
h=1 m=12
